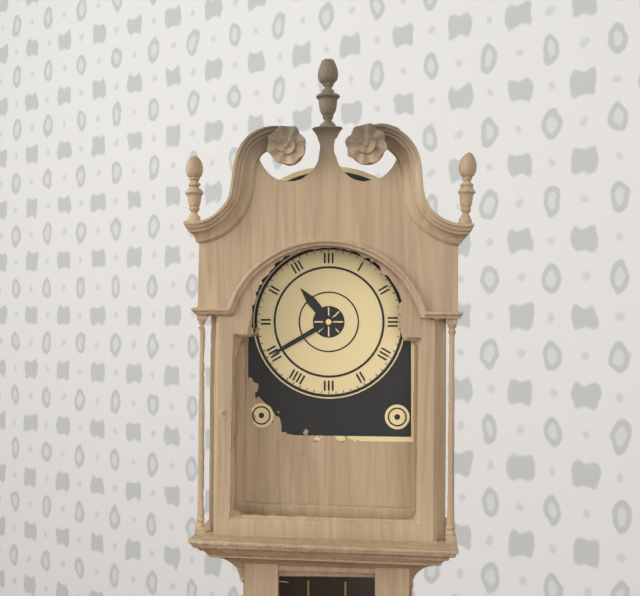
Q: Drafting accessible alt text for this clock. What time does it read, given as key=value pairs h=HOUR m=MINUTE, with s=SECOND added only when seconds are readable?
h=10 m=40
